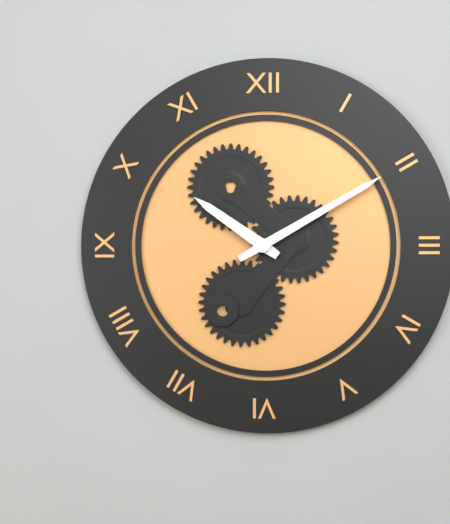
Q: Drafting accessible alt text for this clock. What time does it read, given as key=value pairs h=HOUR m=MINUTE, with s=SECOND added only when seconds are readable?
h=10 m=10
